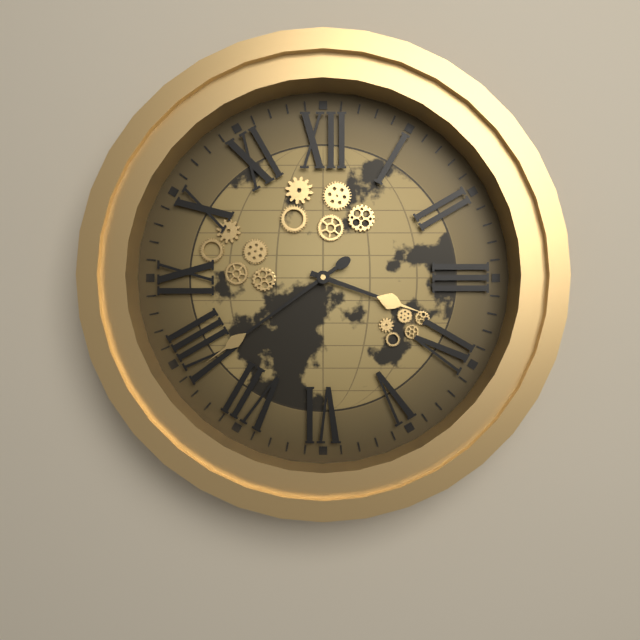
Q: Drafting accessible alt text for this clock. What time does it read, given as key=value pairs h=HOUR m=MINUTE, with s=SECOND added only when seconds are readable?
h=3 m=39
